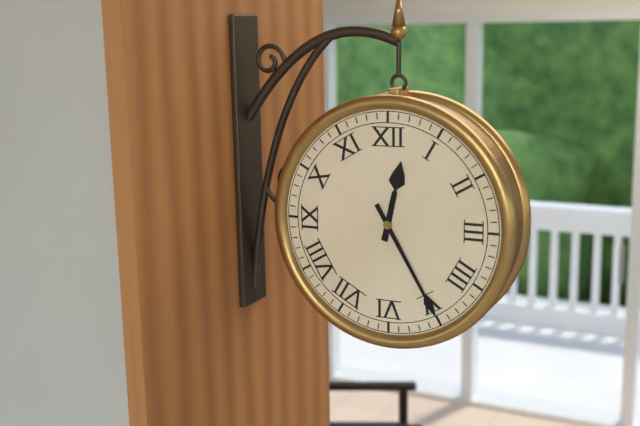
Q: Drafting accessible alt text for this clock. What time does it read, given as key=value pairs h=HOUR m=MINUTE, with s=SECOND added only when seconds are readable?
h=12 m=25
